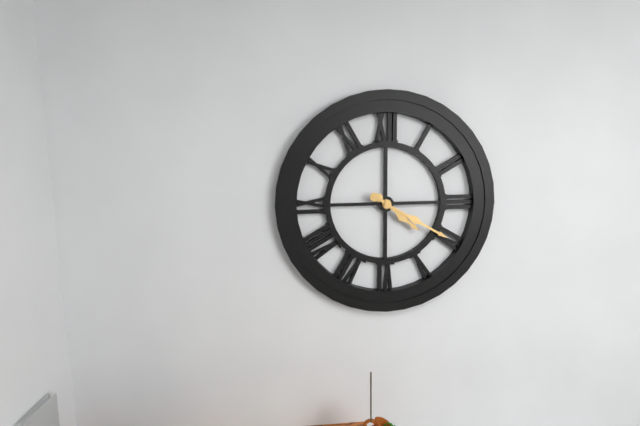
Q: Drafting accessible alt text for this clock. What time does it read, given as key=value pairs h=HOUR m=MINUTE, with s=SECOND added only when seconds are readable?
h=4 m=20
